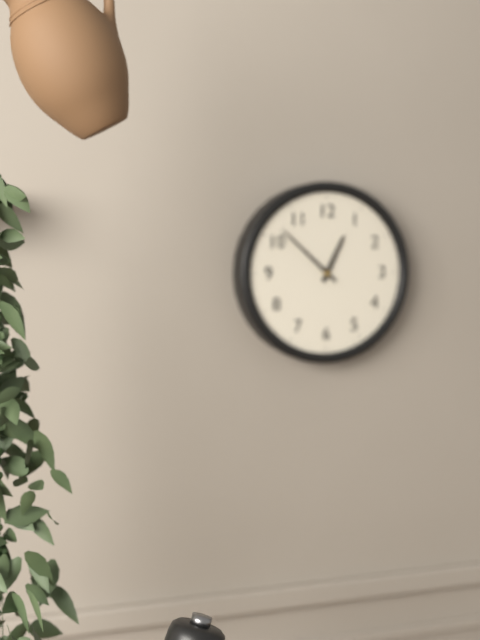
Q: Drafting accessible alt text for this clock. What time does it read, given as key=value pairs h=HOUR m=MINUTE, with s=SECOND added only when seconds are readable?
h=12 m=52
